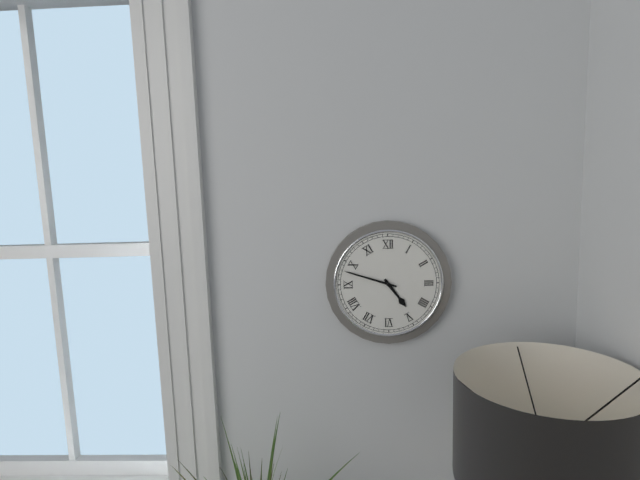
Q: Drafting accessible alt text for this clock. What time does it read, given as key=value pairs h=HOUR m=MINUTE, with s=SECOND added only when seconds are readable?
h=4 m=48
